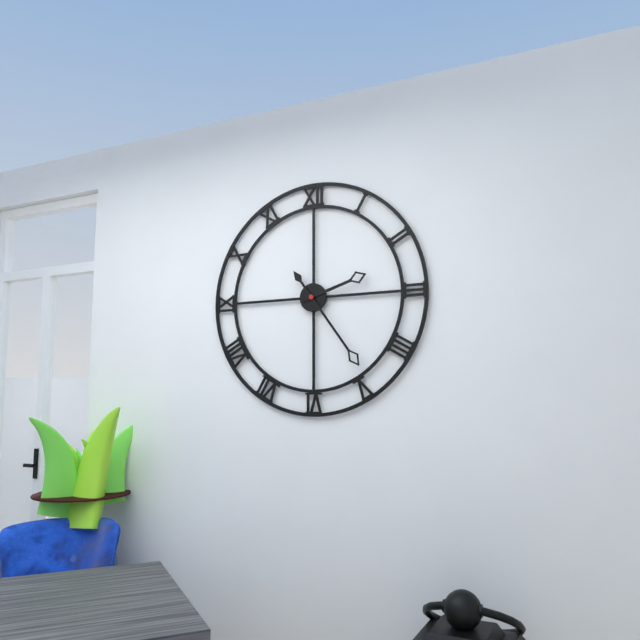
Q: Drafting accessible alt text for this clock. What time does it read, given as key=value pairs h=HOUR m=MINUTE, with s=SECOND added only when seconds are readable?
h=2 m=24
